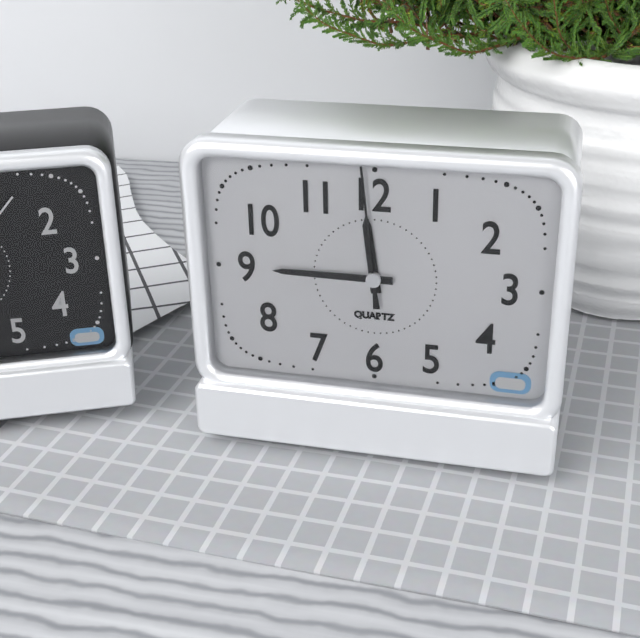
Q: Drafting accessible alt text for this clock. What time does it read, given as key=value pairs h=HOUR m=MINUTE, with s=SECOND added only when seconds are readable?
h=11 m=45 s=59
